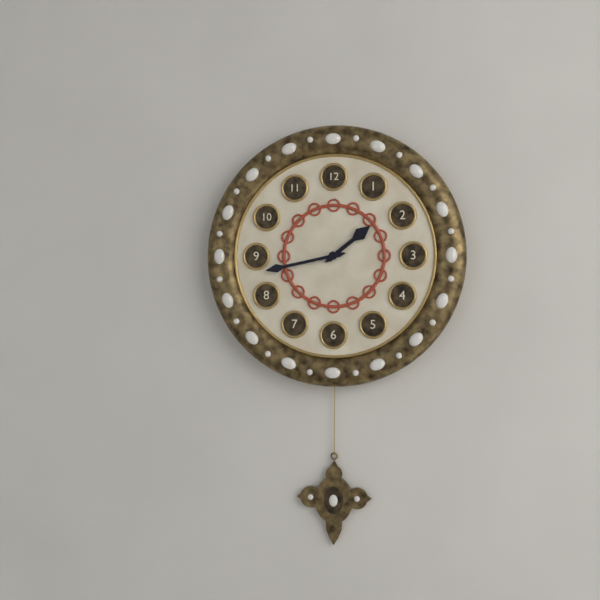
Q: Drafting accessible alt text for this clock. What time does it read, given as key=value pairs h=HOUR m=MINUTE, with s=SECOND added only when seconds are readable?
h=1 m=43
